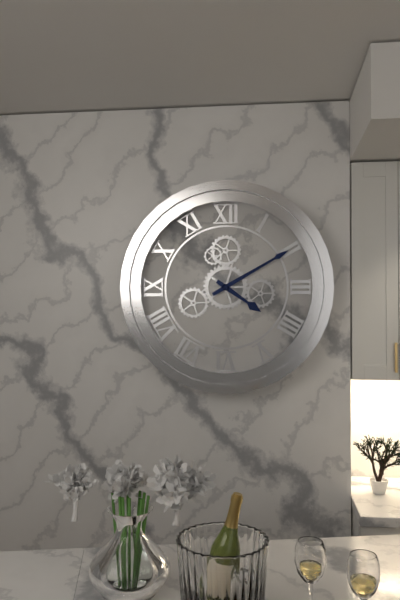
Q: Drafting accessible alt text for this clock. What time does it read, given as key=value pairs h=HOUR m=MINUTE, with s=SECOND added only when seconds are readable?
h=4 m=10
